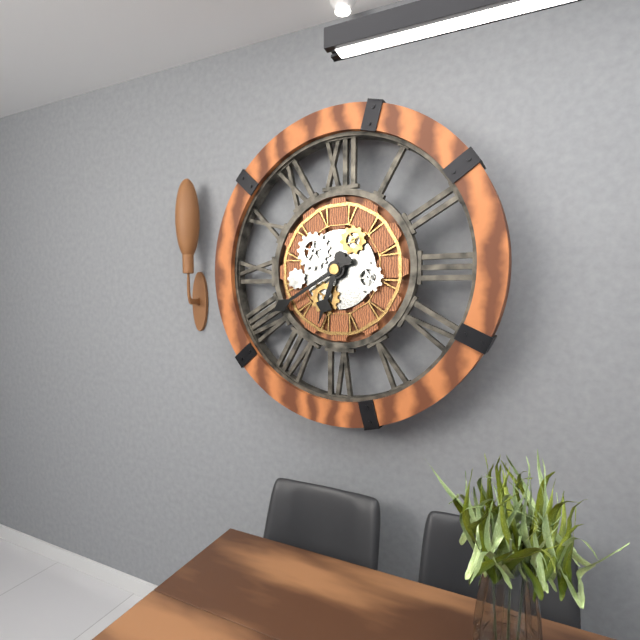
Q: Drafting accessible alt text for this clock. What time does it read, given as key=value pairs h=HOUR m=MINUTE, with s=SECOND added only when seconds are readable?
h=6 m=40
